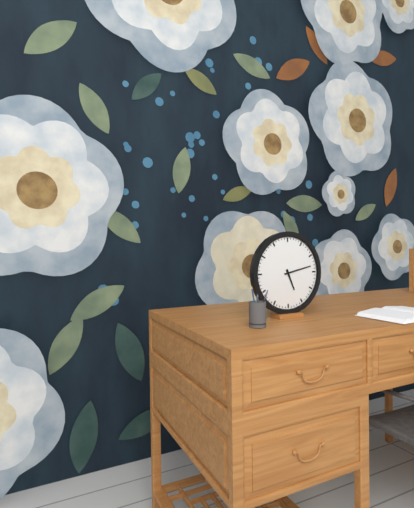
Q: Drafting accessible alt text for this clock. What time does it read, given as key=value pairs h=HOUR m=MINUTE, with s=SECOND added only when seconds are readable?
h=5 m=13
